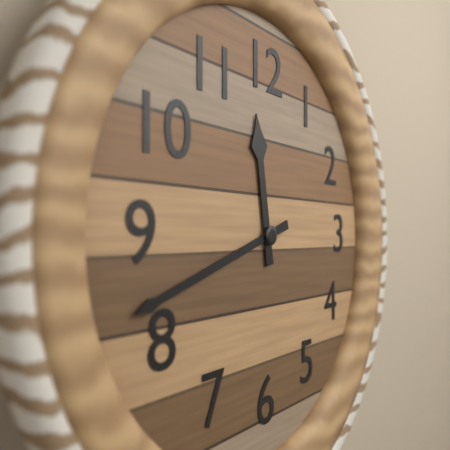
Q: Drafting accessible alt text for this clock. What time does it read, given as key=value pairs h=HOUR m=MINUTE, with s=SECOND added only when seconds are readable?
h=11 m=42
